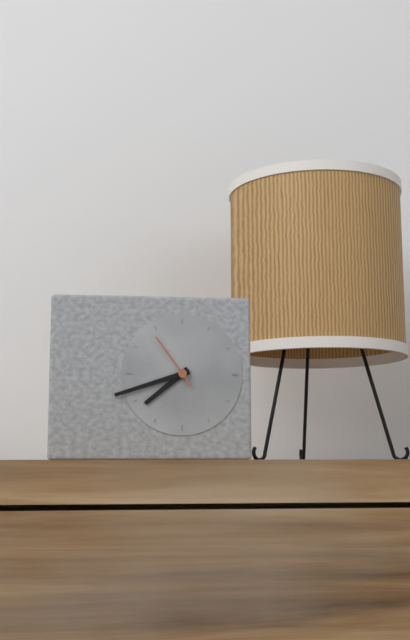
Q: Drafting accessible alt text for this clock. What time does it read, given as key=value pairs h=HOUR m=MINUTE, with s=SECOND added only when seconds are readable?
h=7 m=42 s=54
